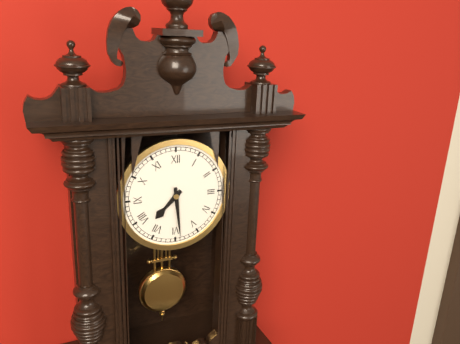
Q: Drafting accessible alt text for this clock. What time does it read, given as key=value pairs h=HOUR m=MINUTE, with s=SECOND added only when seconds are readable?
h=7 m=29
